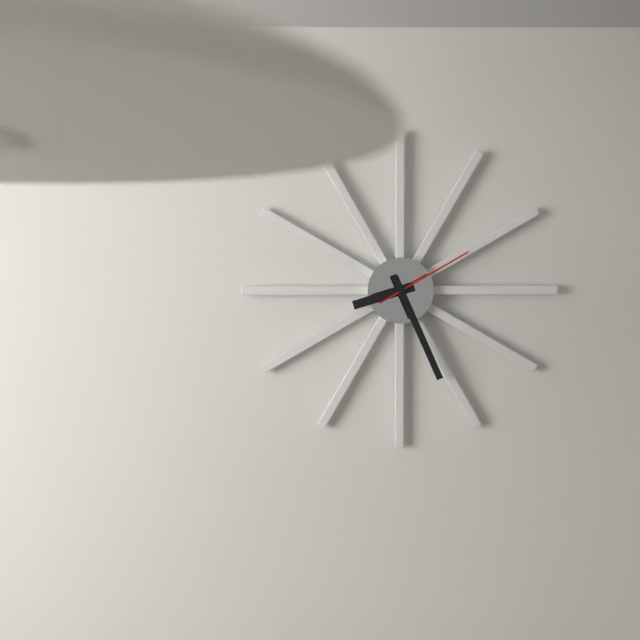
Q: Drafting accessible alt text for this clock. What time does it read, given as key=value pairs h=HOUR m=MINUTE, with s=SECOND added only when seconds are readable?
h=8 m=26 s=10
